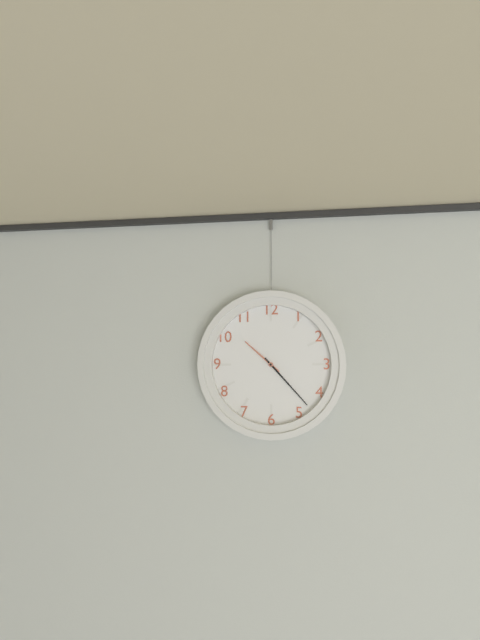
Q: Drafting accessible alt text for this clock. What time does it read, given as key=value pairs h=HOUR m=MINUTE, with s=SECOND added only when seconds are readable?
h=10 m=23
